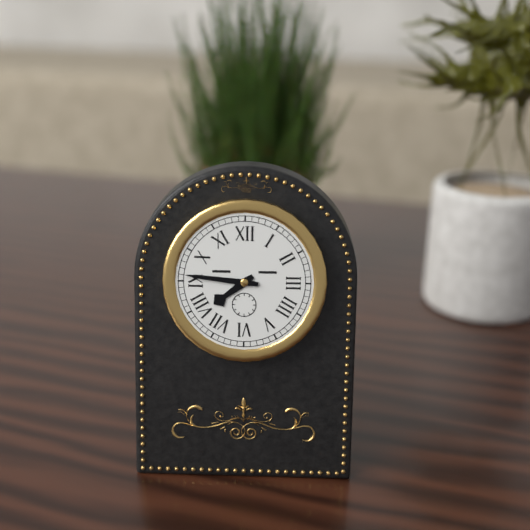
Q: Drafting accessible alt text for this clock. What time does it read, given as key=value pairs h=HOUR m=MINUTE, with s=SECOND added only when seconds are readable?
h=7 m=46
